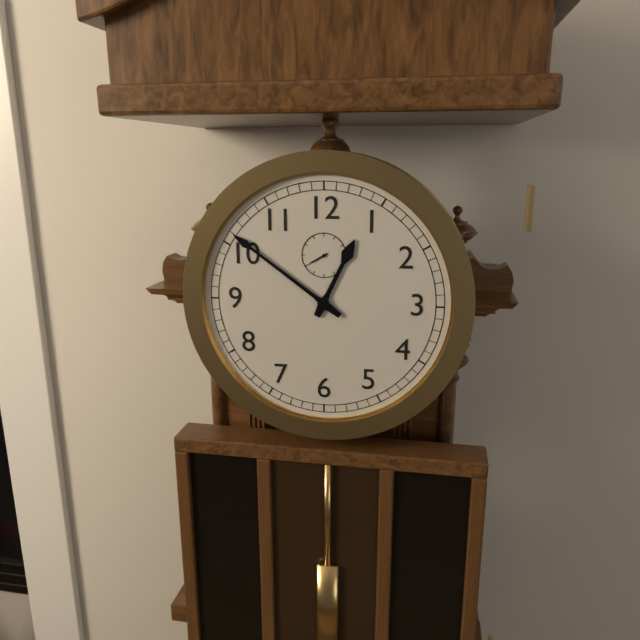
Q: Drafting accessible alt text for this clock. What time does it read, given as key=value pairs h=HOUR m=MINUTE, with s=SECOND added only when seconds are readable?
h=12 m=51
